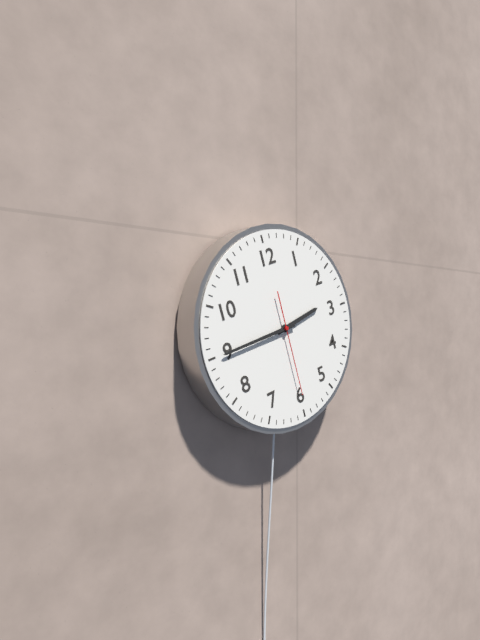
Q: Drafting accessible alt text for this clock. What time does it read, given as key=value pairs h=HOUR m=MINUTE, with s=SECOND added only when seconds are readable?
h=2 m=45 s=30
